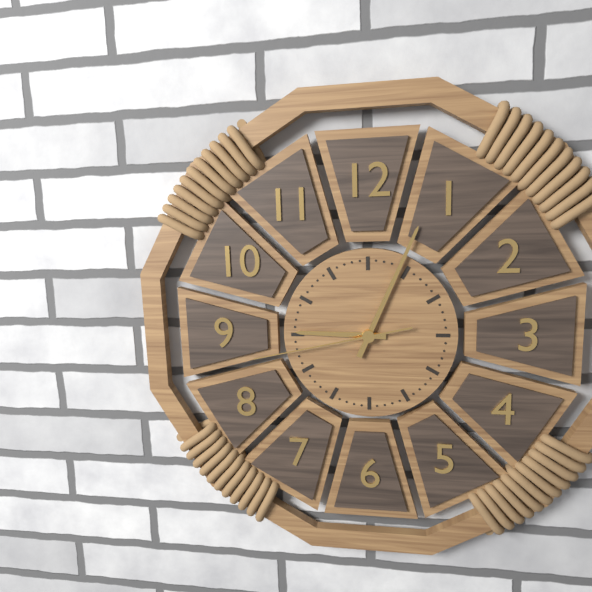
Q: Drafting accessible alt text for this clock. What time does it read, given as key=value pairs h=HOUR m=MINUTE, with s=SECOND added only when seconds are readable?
h=9 m=4 s=43
